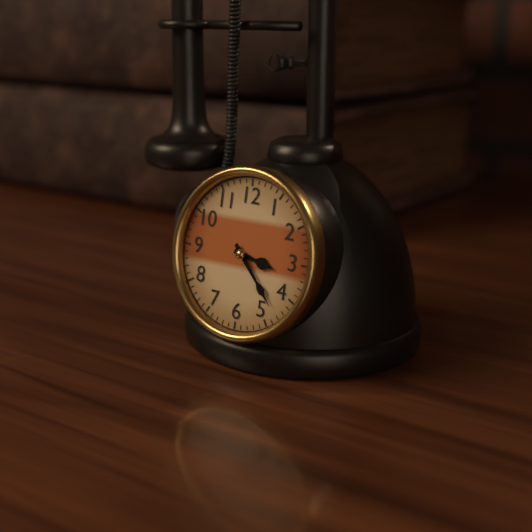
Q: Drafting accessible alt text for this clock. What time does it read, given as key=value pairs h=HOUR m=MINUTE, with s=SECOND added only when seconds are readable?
h=3 m=23
